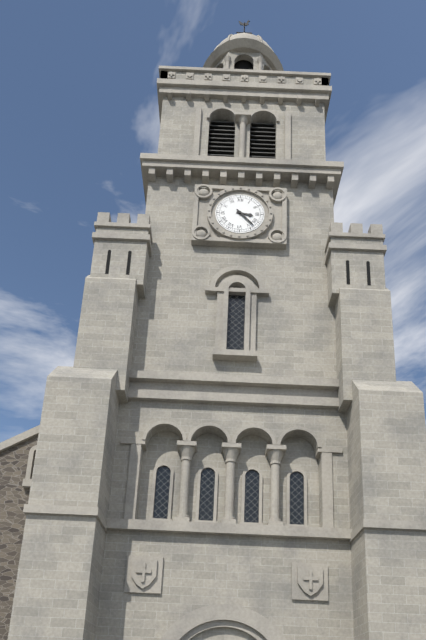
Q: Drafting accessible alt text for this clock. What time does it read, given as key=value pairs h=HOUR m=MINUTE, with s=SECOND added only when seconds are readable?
h=3 m=23
